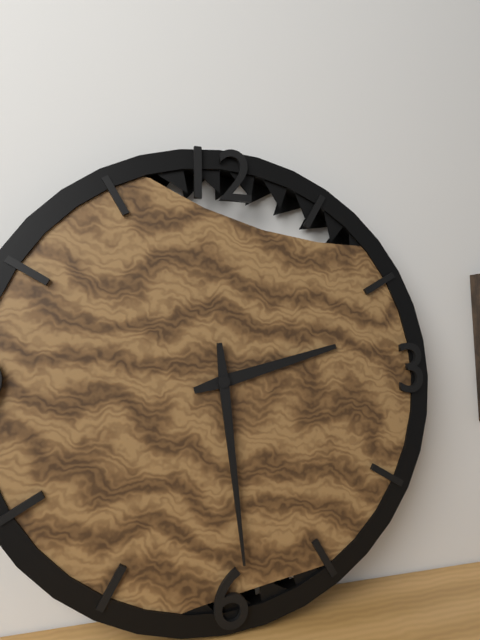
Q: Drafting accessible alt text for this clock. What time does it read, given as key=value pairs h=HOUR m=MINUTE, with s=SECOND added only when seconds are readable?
h=2 m=29
